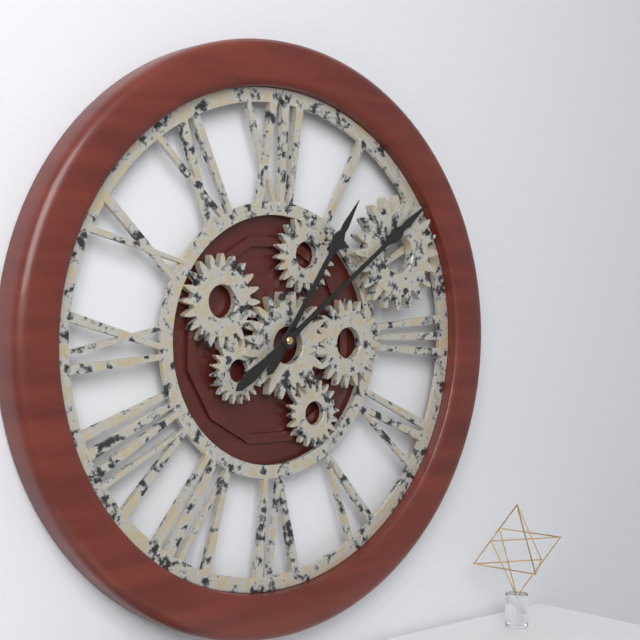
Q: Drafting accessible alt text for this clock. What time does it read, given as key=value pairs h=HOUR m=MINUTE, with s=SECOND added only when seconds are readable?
h=1 m=9
